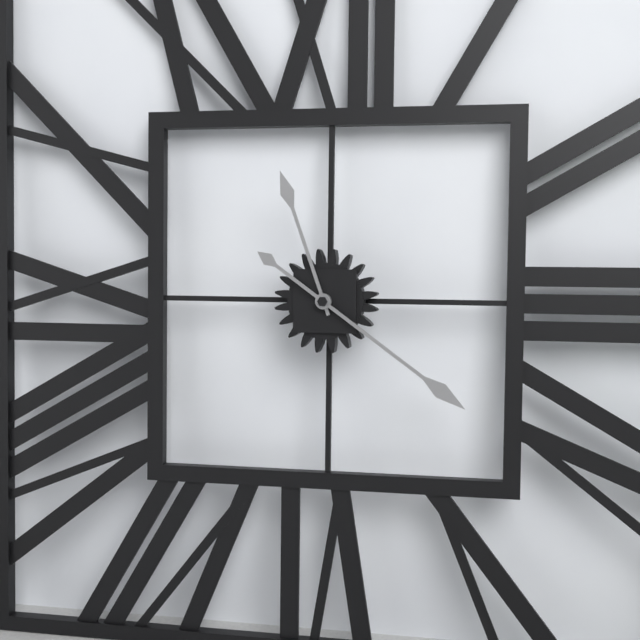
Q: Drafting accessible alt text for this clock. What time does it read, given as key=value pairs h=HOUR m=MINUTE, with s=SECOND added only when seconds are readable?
h=11 m=21
